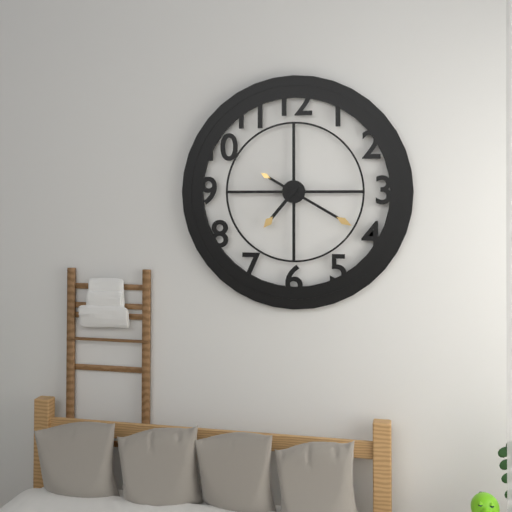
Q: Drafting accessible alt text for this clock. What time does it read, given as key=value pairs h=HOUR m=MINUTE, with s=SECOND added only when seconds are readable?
h=7 m=20
